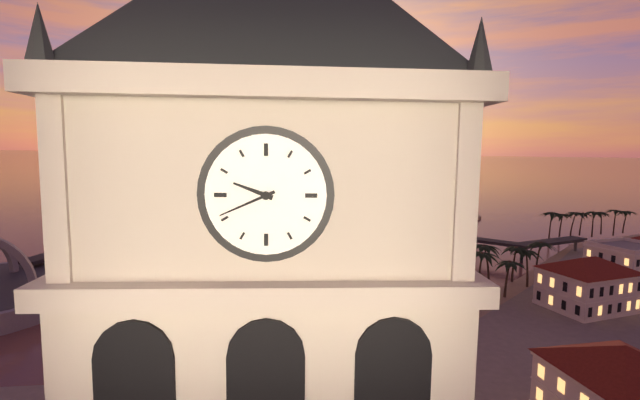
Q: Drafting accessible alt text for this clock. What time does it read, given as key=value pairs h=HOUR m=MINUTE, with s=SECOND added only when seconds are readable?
h=9 m=41
